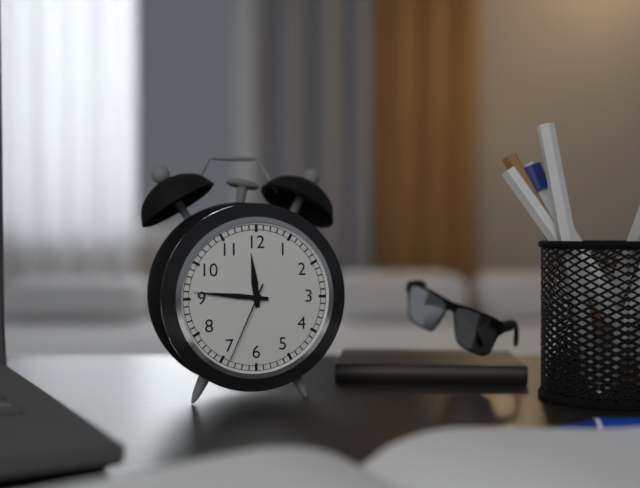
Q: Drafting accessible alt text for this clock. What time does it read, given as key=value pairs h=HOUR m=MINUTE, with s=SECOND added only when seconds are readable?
h=11 m=46 s=34
